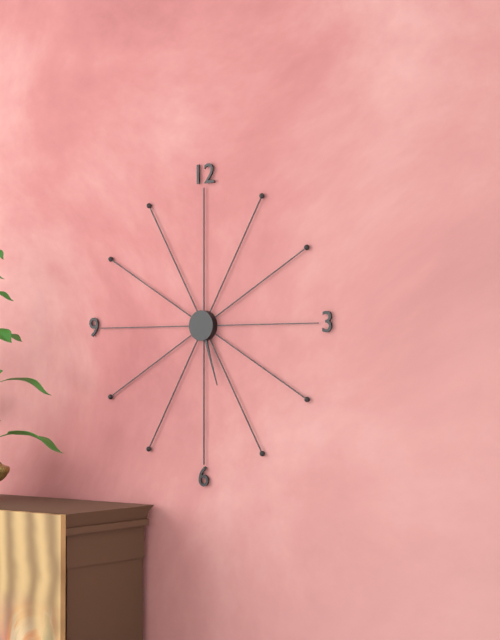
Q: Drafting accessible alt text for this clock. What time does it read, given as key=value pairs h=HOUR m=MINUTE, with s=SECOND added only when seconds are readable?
h=5 m=27
